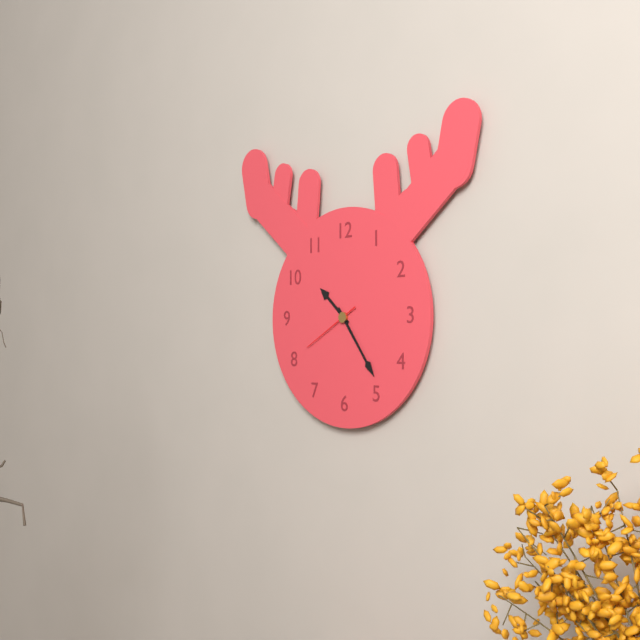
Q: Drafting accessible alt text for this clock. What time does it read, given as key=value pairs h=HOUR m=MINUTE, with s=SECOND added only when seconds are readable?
h=10 m=24 s=40
